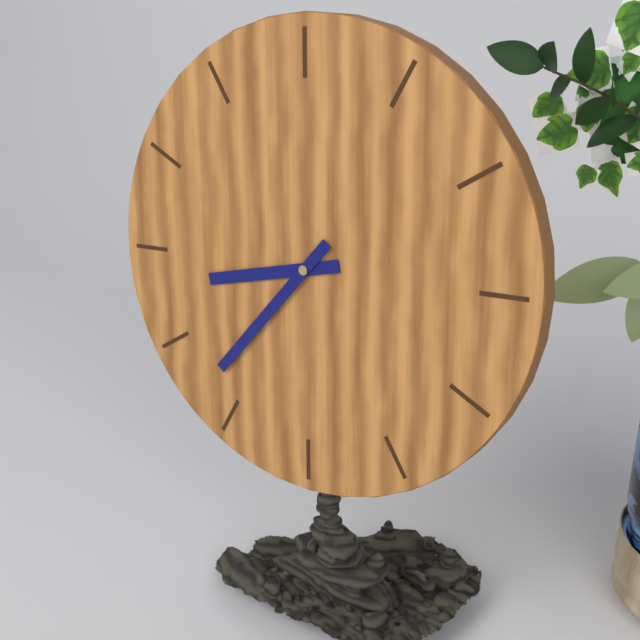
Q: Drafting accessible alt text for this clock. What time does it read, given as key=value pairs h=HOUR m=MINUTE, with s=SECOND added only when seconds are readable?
h=8 m=37
